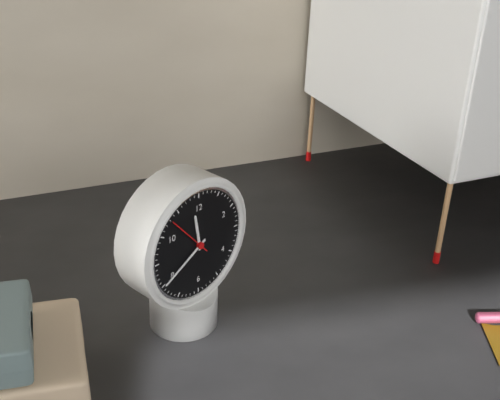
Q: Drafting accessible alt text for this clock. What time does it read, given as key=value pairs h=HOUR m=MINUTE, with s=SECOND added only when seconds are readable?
h=11 m=40
